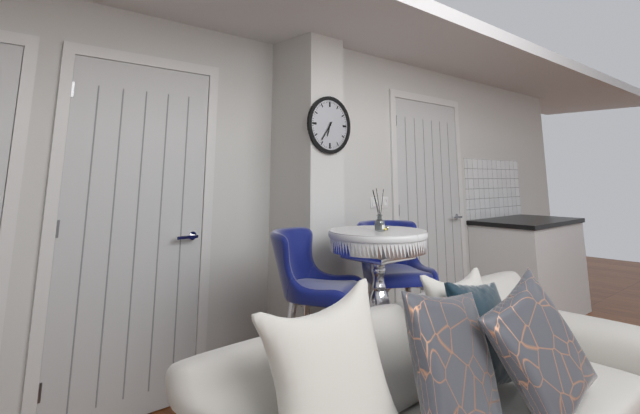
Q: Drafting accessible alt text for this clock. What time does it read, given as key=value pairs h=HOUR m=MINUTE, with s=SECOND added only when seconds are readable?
h=6 m=36
